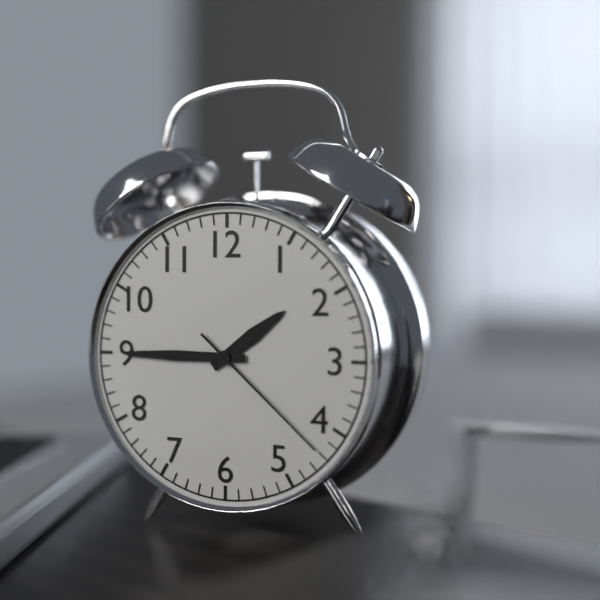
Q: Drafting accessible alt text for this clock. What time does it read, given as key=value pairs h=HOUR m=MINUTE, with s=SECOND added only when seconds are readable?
h=1 m=45 s=22
